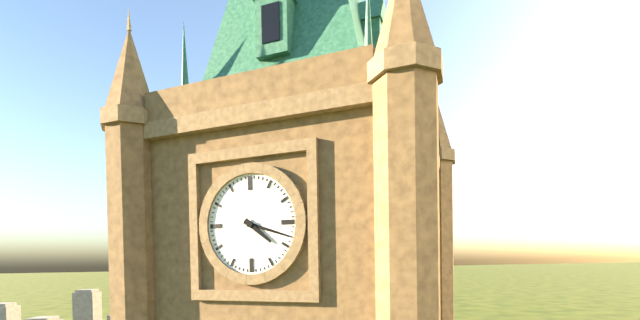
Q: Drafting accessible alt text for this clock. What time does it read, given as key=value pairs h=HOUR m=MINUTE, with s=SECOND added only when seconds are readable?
h=4 m=18
